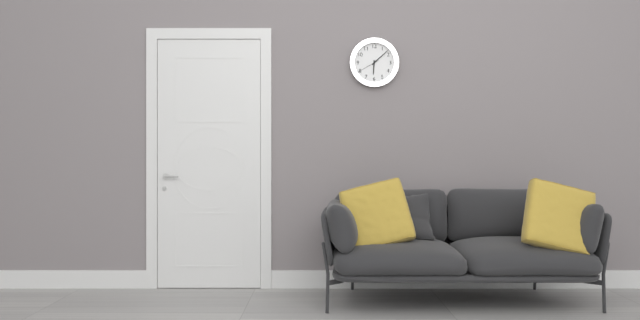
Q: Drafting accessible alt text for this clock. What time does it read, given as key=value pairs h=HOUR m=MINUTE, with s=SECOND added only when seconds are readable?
h=6 m=8
